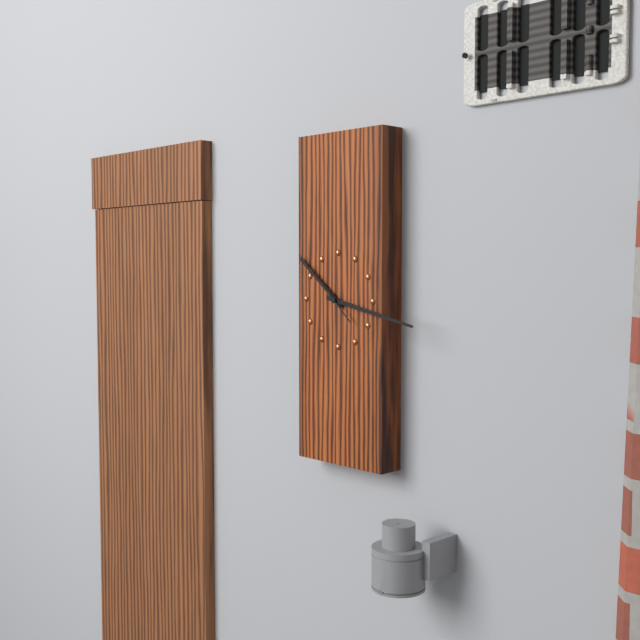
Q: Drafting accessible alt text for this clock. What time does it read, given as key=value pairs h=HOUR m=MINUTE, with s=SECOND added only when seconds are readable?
h=10 m=17 s=52
